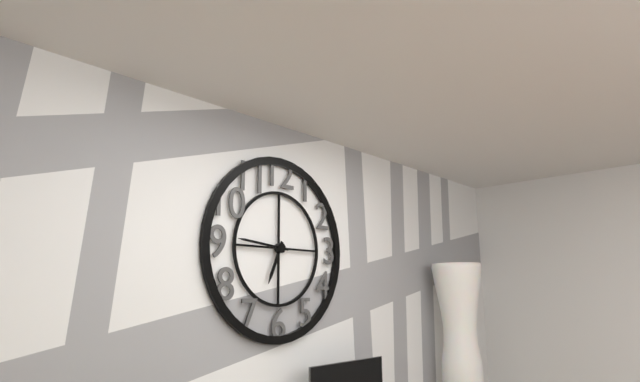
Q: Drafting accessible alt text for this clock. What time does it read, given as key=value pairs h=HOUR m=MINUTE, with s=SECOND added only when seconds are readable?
h=6 m=46
